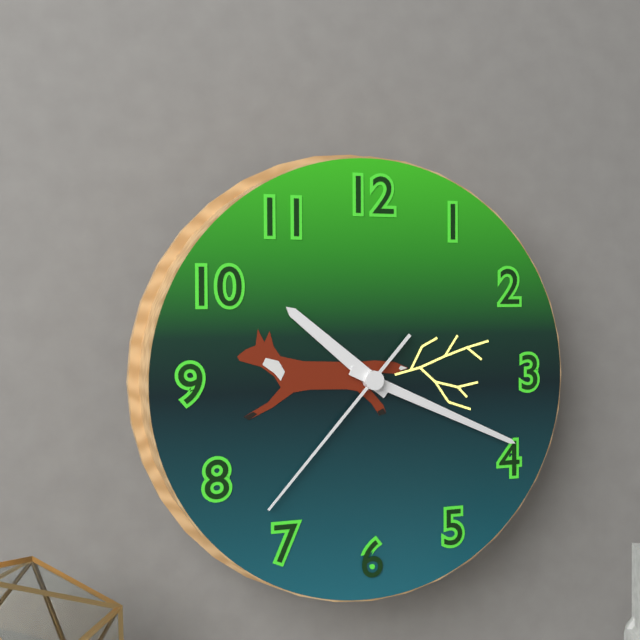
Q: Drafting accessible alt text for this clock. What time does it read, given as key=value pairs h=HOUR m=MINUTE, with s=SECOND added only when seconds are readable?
h=10 m=19 s=37
